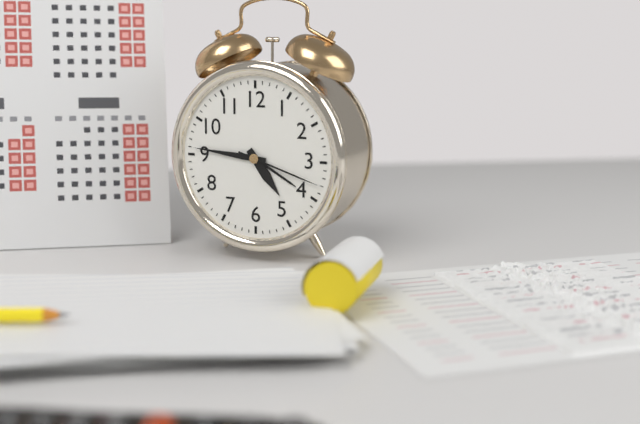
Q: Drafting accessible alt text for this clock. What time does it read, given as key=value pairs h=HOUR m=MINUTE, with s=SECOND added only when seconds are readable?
h=4 m=46 s=18
